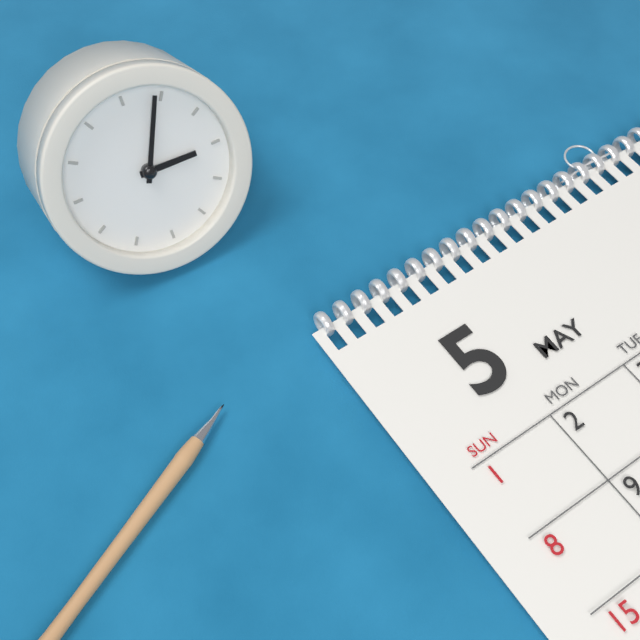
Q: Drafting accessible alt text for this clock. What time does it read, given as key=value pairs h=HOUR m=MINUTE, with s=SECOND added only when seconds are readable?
h=3 m=4
